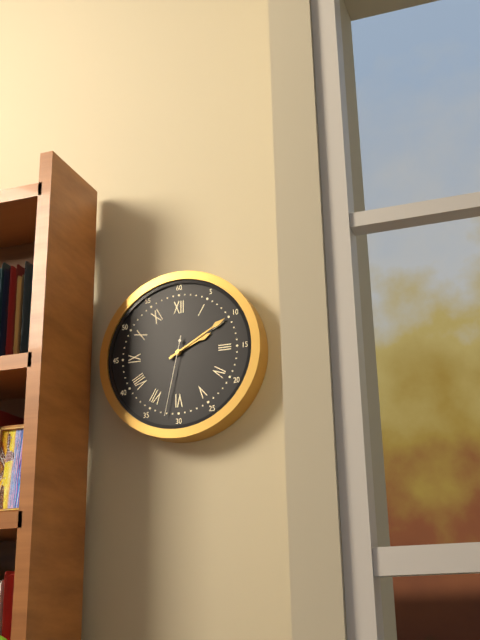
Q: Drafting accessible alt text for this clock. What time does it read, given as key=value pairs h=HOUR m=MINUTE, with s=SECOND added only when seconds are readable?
h=2 m=10 s=32
